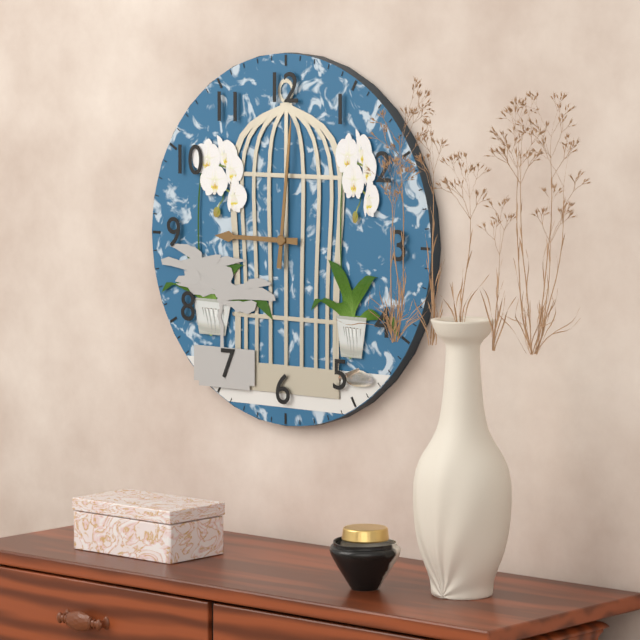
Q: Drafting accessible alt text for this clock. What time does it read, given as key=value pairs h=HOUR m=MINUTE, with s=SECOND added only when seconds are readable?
h=9 m=1
